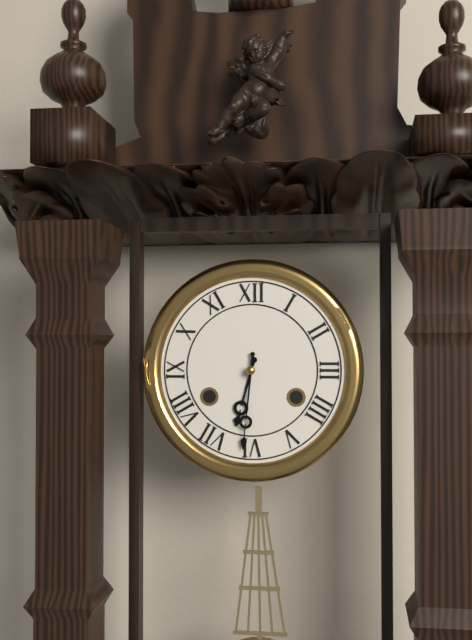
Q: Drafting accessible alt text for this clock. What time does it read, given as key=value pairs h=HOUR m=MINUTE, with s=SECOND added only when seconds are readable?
h=6 m=31
